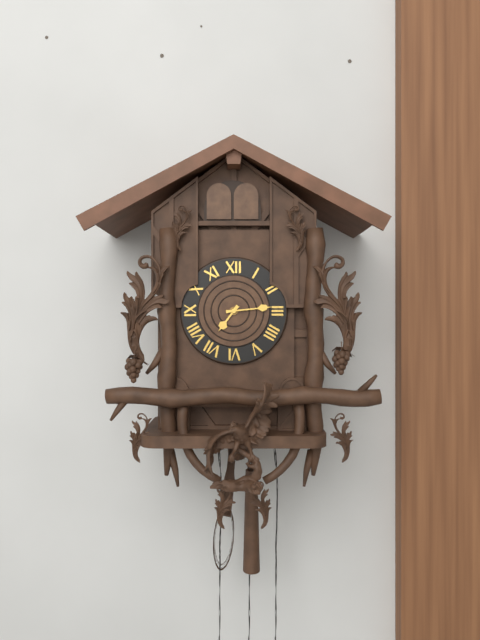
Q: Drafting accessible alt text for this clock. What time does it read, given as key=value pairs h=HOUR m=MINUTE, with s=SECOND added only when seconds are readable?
h=7 m=14
